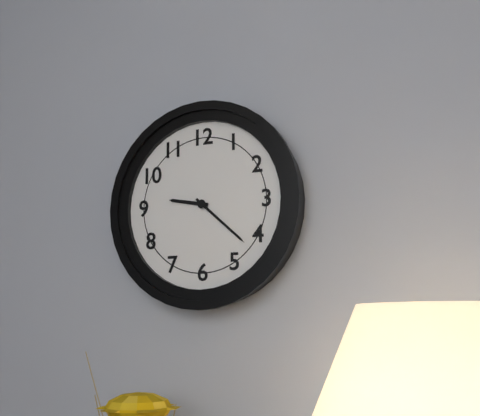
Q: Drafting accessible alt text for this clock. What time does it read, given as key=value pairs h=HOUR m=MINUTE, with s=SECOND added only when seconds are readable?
h=9 m=22
